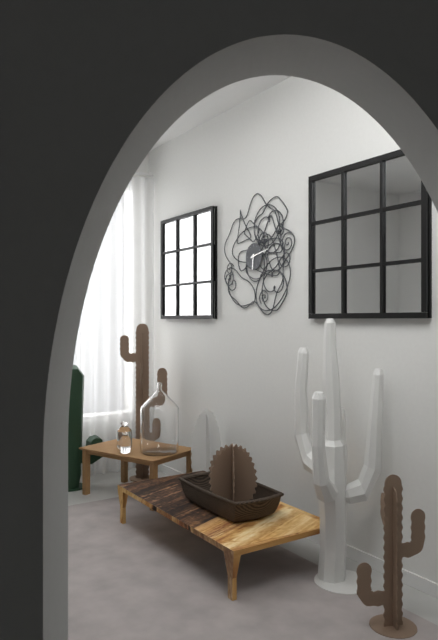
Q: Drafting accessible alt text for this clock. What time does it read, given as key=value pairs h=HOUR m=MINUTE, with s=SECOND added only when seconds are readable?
h=6 m=13
